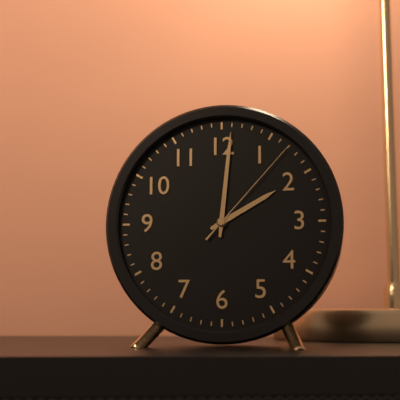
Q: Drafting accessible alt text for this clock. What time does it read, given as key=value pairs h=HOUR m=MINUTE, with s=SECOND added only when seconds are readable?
h=2 m=1 s=7
